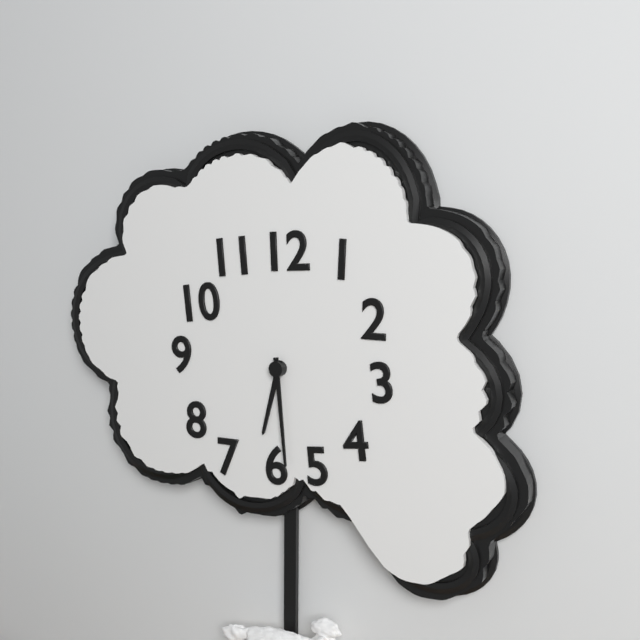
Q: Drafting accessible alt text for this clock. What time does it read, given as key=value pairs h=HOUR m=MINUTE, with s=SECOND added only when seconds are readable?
h=6 m=29
